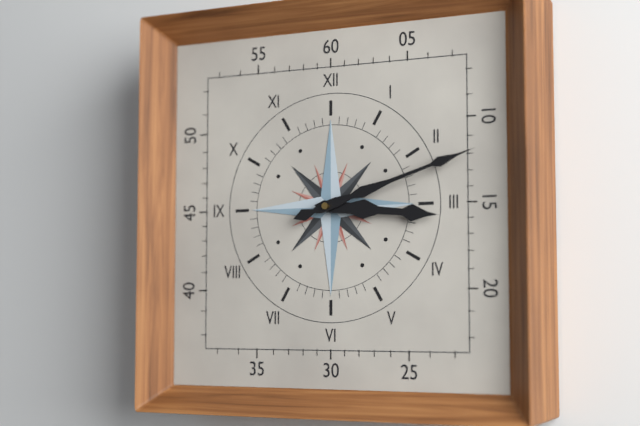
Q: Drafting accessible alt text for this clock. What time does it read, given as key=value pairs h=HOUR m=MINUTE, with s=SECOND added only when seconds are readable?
h=3 m=12
